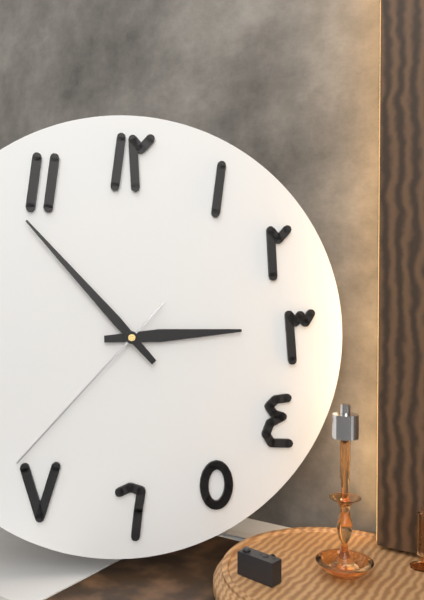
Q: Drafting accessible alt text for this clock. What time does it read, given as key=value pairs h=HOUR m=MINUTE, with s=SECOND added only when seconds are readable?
h=2 m=53 s=37
